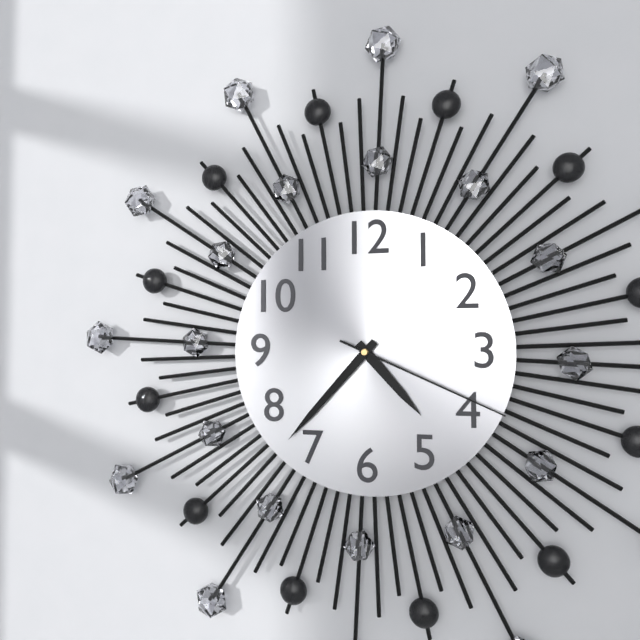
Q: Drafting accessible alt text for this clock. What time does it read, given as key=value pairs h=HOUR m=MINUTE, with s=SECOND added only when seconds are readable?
h=4 m=37 s=19
